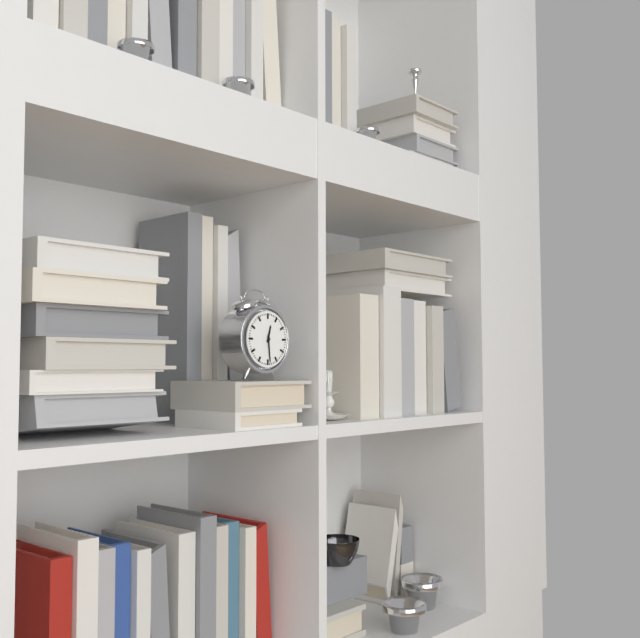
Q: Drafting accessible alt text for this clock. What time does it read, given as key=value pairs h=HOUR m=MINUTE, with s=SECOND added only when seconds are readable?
h=12 m=29
